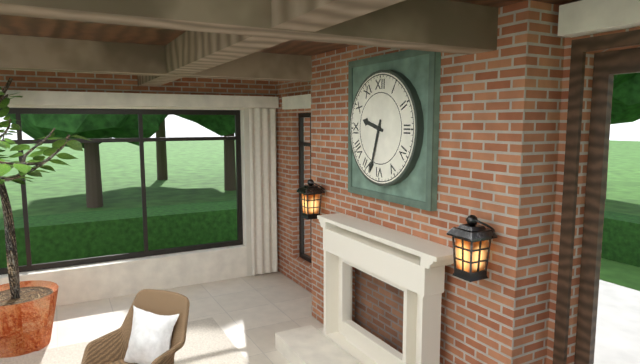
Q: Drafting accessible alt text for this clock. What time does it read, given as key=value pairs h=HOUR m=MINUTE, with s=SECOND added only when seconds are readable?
h=9 m=33
